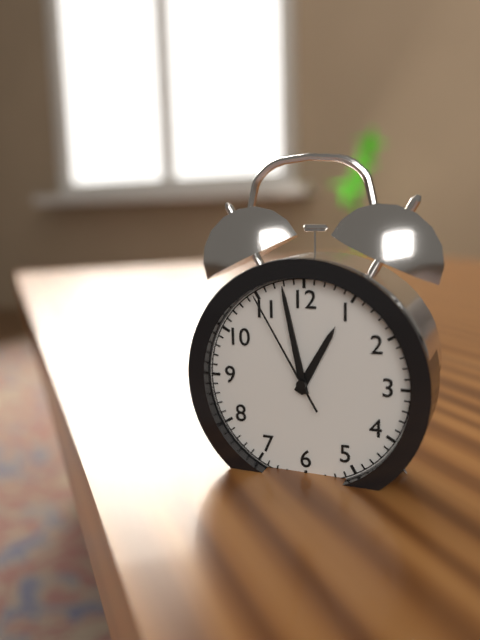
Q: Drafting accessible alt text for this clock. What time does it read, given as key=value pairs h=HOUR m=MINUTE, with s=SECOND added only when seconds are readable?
h=12 m=58 s=55
